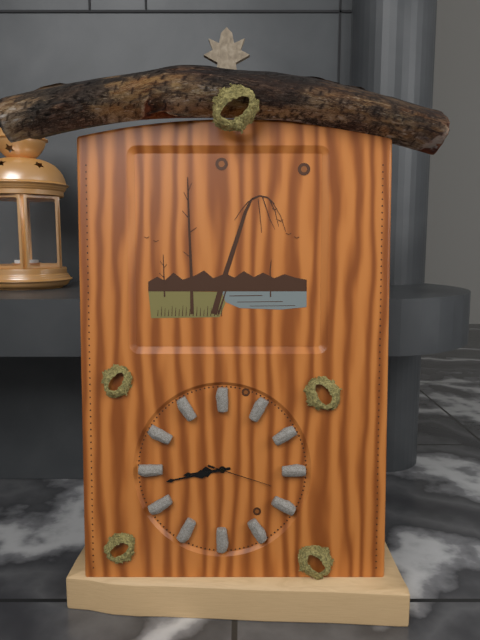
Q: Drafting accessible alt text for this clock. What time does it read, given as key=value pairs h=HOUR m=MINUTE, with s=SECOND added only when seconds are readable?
h=8 m=43 s=18
